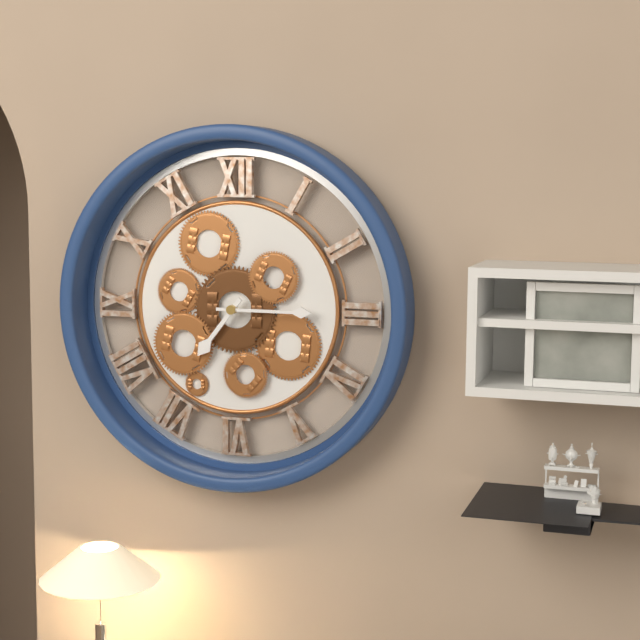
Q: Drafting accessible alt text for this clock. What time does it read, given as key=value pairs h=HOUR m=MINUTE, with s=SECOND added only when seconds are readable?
h=7 m=15
